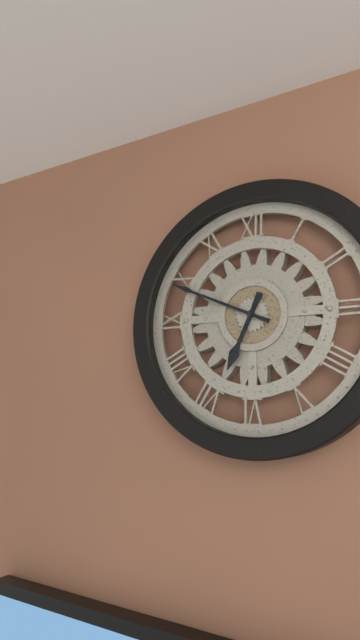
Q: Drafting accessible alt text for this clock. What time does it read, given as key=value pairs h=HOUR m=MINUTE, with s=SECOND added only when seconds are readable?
h=6 m=49
